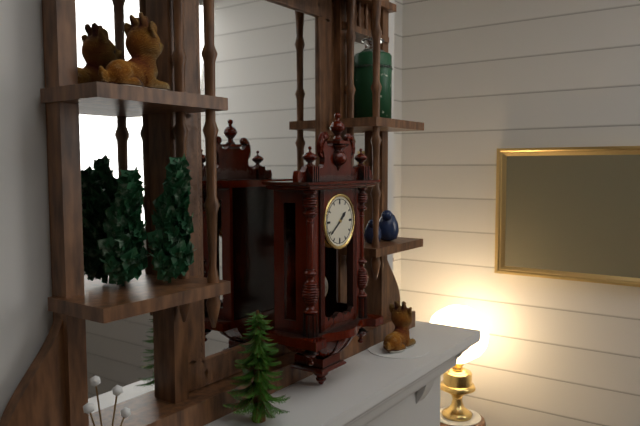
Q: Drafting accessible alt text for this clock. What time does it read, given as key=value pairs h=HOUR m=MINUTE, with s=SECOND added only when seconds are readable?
h=1 m=39
